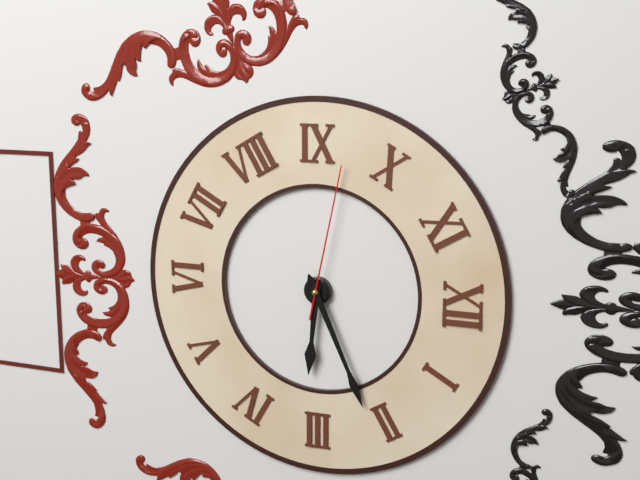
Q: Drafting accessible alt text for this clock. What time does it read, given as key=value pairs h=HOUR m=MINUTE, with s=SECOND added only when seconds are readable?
h=3 m=11 s=47
